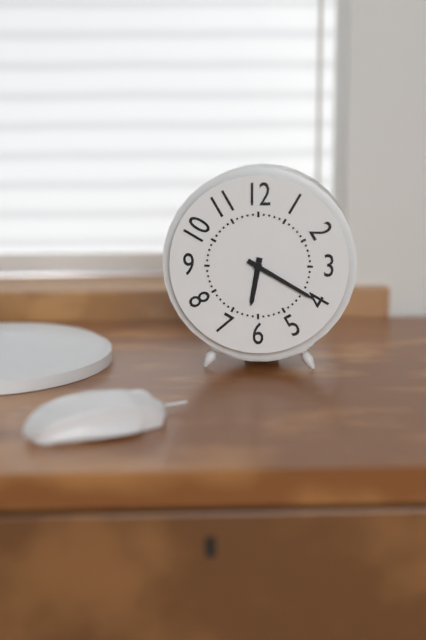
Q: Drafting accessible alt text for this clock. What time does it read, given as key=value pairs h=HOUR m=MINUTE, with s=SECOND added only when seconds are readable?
h=6 m=20
